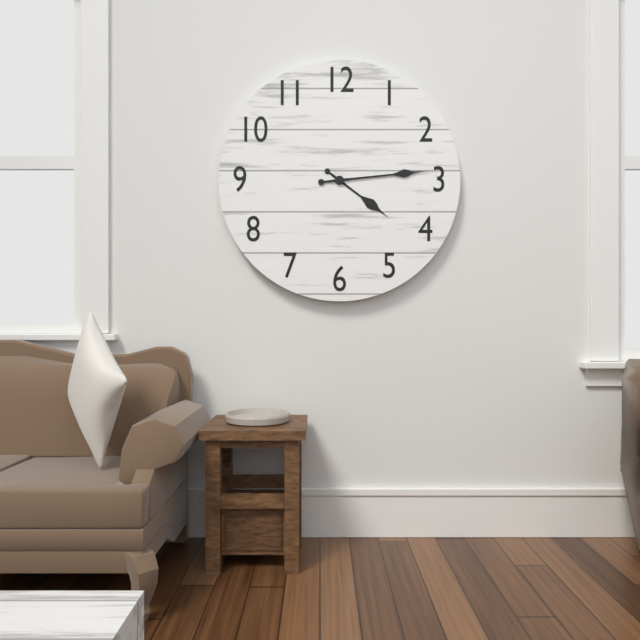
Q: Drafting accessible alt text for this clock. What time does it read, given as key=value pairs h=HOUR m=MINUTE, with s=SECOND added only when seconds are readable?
h=4 m=14
